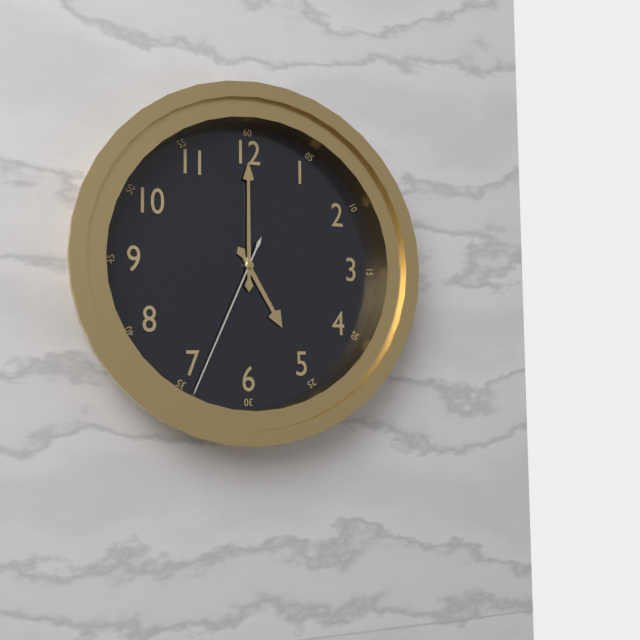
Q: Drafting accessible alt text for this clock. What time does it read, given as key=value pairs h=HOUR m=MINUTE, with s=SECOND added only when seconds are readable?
h=5 m=0 s=34
